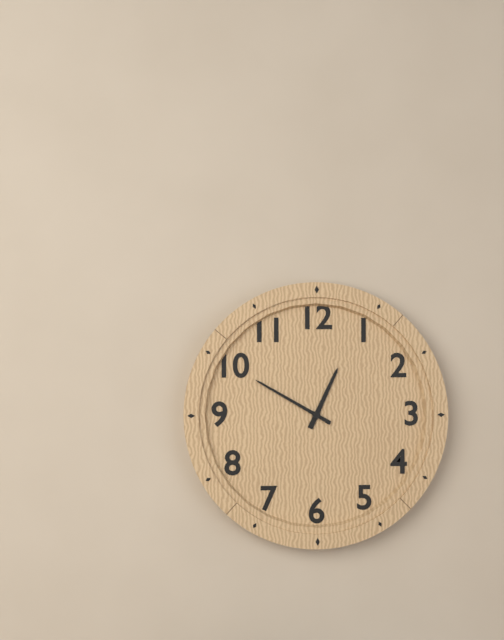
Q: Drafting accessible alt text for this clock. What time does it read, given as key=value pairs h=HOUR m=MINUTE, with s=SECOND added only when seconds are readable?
h=12 m=50
